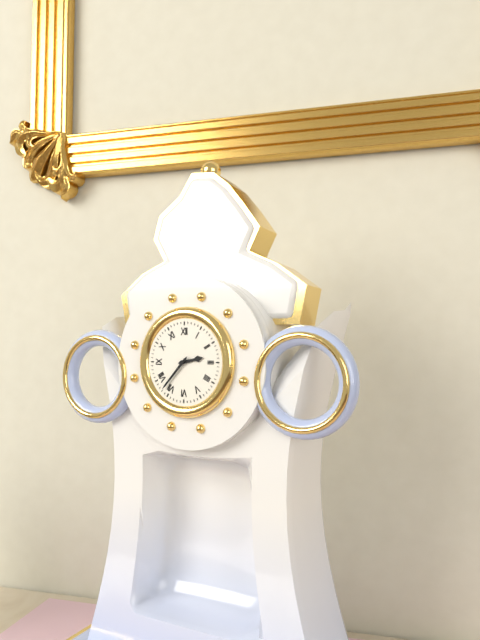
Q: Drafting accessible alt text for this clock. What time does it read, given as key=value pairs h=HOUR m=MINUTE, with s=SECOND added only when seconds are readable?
h=2 m=37
